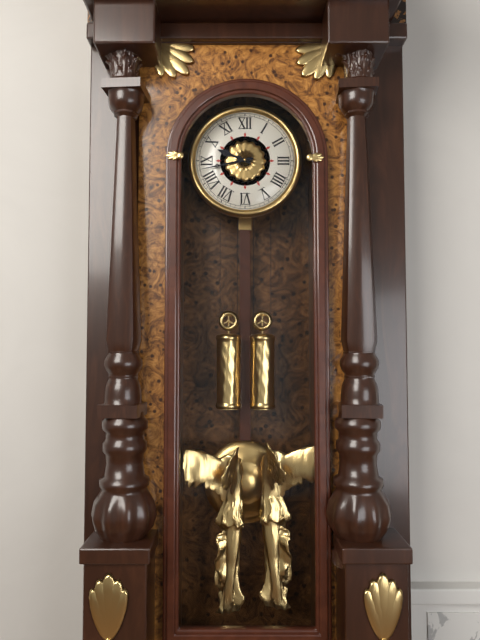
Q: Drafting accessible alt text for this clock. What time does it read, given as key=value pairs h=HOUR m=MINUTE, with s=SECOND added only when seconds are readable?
h=9 m=43
